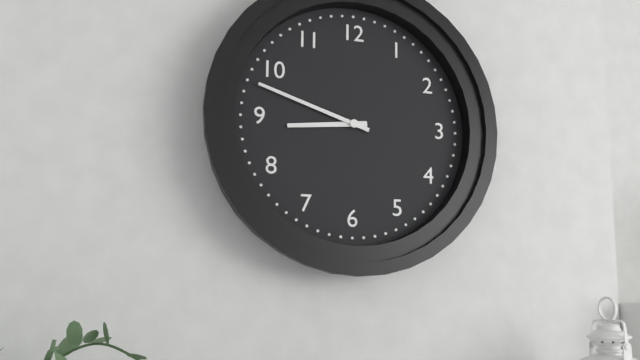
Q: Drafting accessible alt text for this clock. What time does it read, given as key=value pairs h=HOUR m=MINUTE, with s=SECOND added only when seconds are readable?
h=8 m=48
